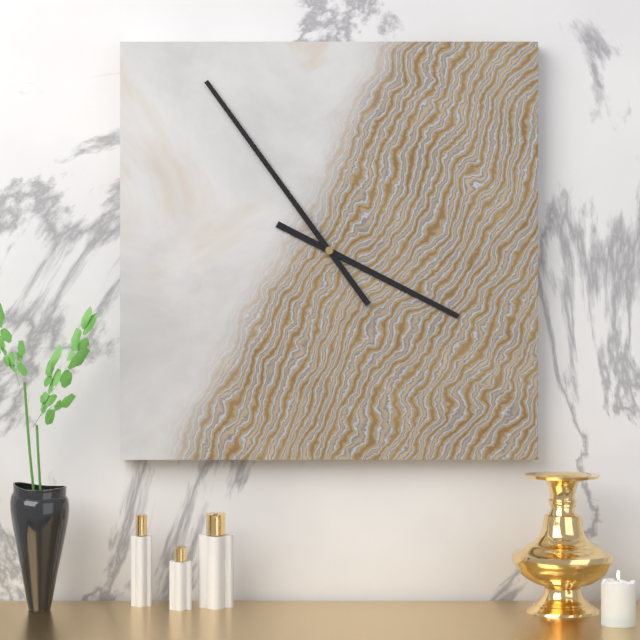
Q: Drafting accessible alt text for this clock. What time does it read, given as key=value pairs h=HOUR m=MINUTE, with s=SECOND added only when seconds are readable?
h=3 m=54
